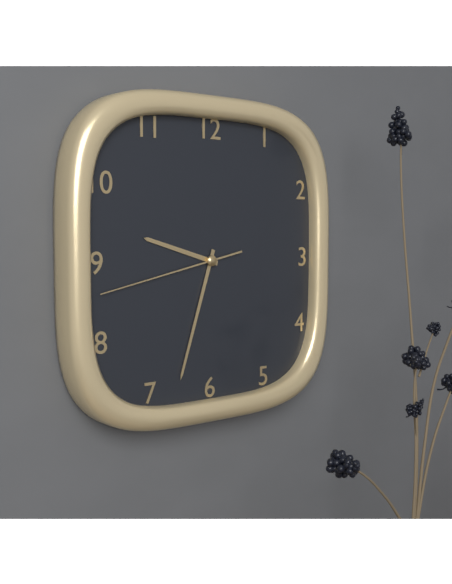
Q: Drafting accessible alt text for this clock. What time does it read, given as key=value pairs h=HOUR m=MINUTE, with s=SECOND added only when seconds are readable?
h=9 m=33 s=43
